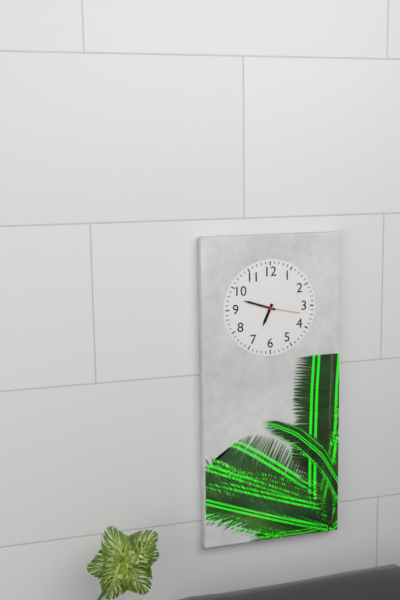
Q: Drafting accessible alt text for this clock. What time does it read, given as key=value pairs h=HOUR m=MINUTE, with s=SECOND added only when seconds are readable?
h=6 m=48
